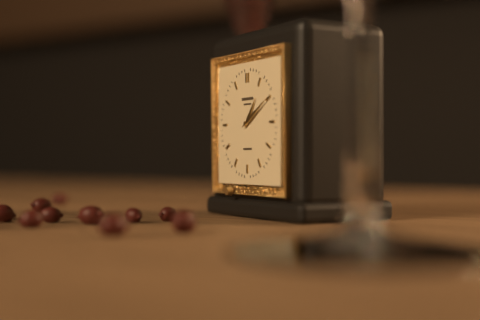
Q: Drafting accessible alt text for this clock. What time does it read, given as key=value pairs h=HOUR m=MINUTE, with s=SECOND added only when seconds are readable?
h=1 m=10
